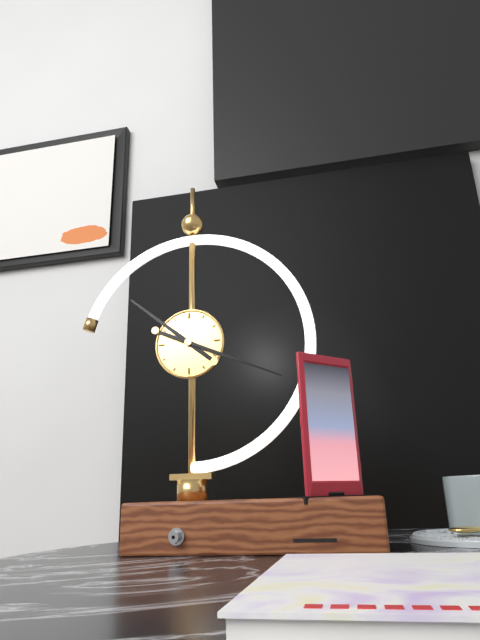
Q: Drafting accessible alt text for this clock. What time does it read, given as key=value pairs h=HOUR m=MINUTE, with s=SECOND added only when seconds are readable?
h=10 m=19
